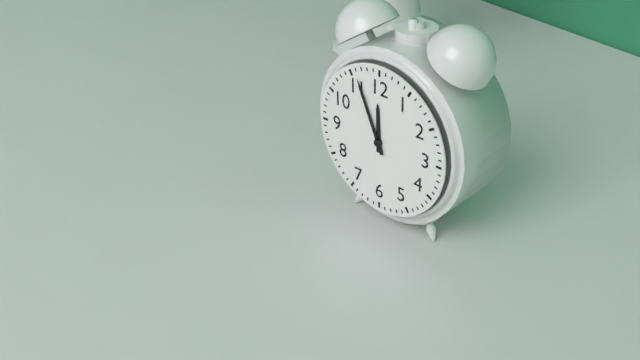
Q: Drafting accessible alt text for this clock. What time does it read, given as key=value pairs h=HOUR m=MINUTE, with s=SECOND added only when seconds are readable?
h=11 m=56
